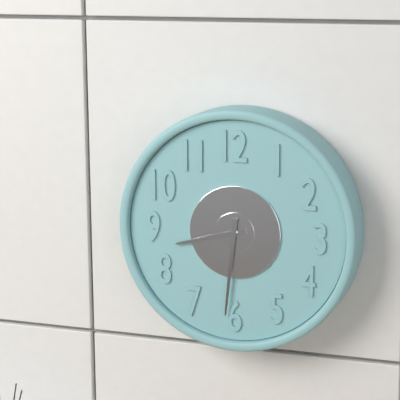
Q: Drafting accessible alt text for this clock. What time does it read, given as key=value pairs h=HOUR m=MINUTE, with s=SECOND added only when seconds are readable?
h=8 m=31
